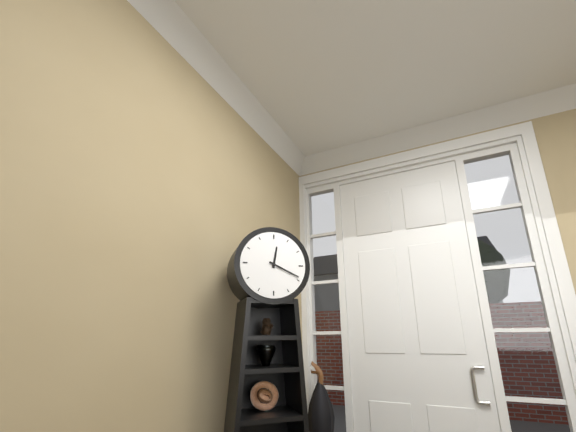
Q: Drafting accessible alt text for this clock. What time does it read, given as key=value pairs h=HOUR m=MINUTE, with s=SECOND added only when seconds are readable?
h=12 m=19
